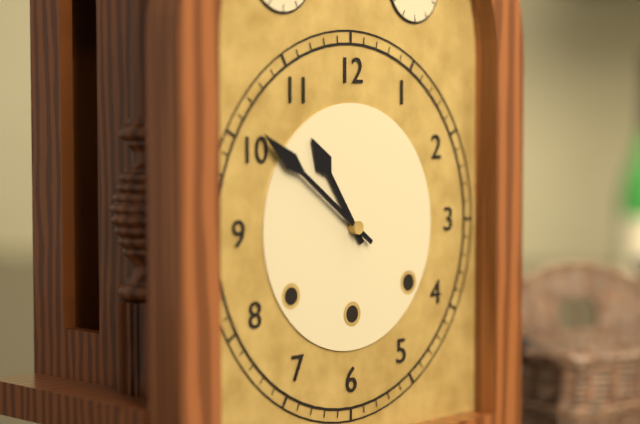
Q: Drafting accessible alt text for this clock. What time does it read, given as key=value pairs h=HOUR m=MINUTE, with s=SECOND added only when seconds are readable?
h=10 m=51
